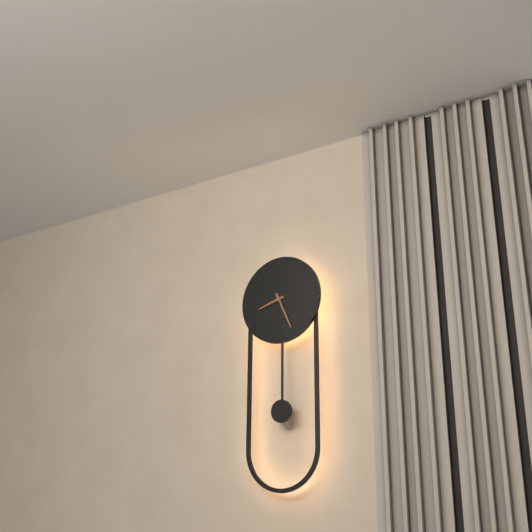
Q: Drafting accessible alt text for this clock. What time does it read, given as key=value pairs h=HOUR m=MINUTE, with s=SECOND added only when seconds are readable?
h=8 m=26
